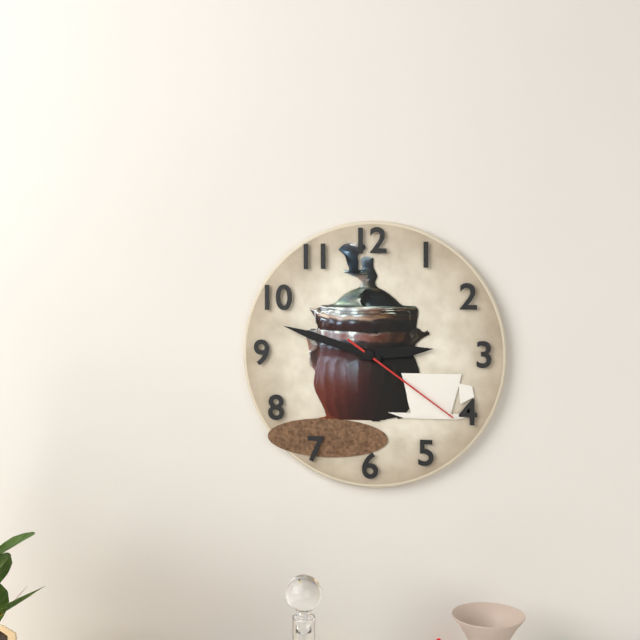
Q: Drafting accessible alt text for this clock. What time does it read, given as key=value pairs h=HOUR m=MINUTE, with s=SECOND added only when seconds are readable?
h=2 m=48 s=21
